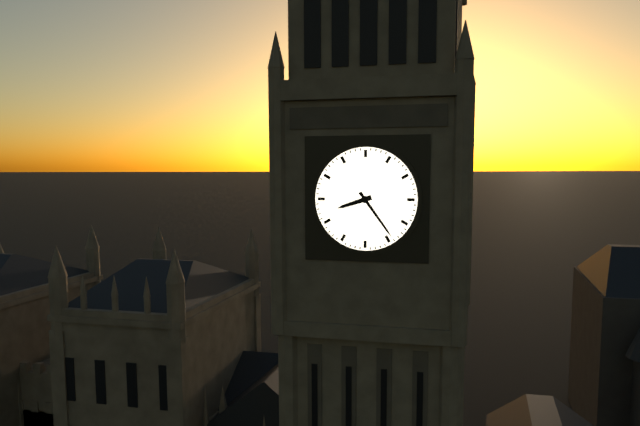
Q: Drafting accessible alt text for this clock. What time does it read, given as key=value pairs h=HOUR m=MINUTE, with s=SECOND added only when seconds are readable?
h=8 m=24
